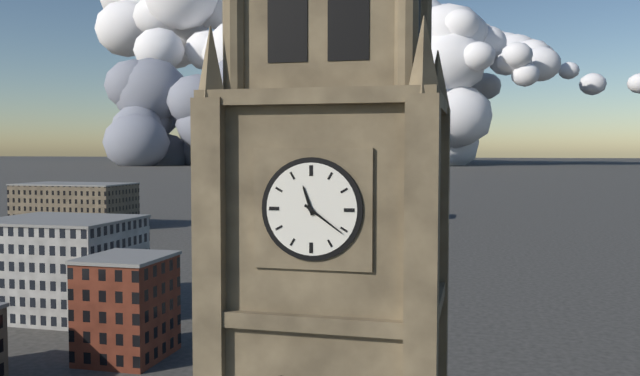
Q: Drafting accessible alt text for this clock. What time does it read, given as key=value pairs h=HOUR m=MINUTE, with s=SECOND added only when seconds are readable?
h=11 m=21
